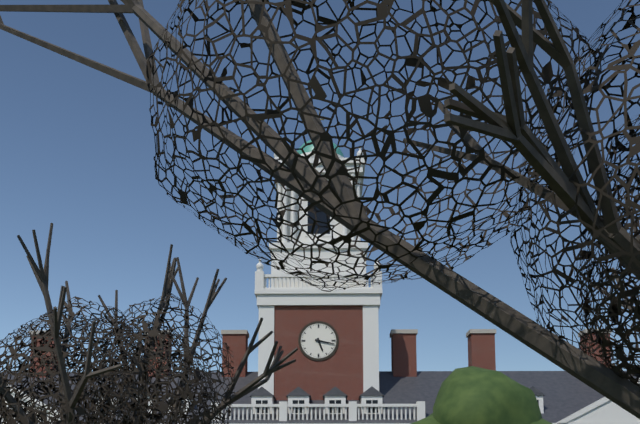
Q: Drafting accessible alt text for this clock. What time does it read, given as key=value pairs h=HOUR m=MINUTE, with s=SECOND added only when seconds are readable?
h=5 m=17
